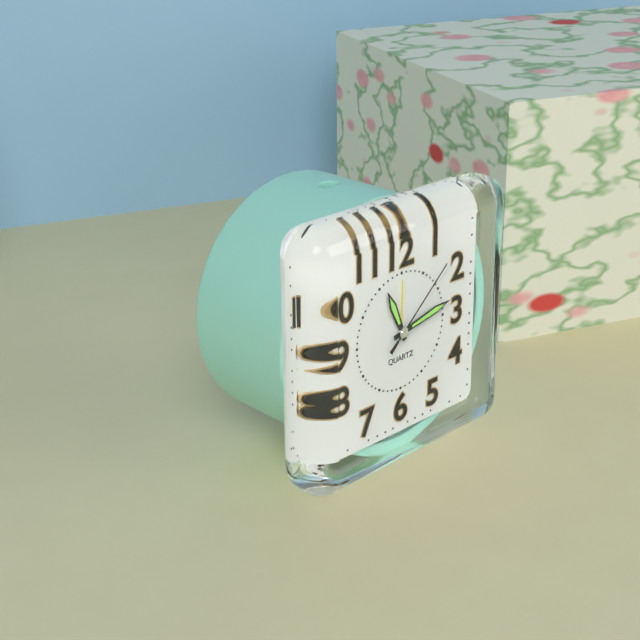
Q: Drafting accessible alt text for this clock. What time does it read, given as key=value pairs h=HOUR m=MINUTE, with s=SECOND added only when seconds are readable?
h=11 m=13 s=8
